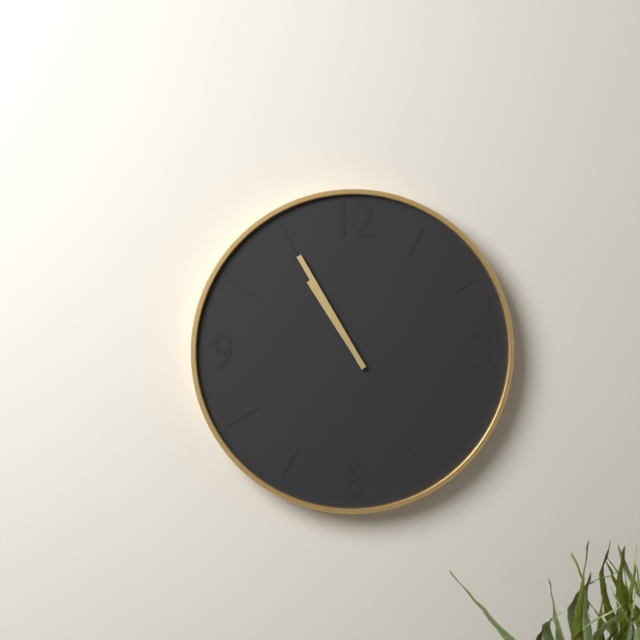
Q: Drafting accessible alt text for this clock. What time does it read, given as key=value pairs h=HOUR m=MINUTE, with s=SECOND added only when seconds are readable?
h=10 m=55
